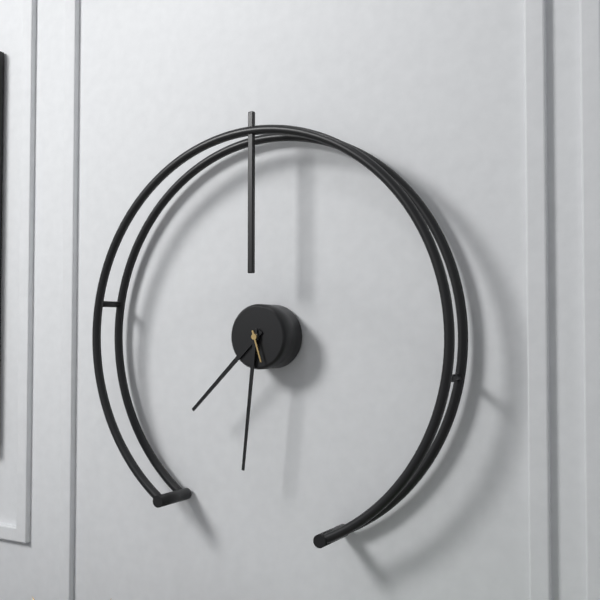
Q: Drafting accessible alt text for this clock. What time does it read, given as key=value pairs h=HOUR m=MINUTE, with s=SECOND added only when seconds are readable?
h=7 m=31
